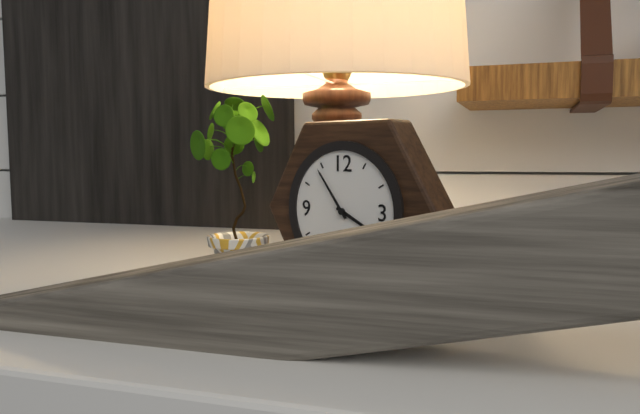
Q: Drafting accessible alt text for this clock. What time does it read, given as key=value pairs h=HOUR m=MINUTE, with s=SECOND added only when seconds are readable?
h=3 m=54
